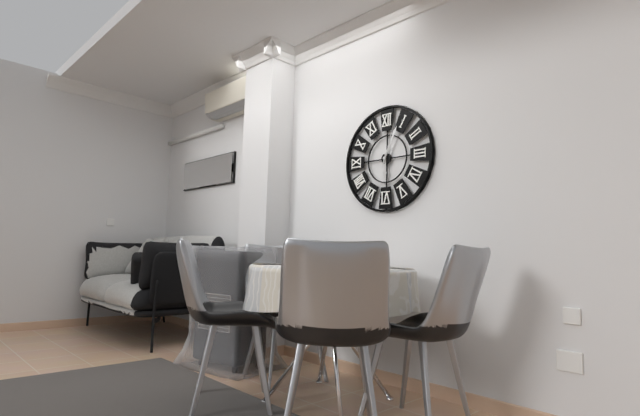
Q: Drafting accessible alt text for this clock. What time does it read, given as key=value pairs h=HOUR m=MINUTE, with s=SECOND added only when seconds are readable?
h=6 m=4
